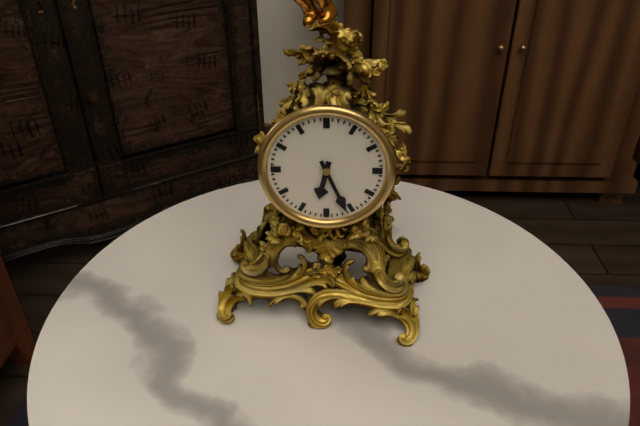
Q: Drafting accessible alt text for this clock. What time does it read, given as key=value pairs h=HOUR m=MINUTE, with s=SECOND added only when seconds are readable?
h=6 m=26
